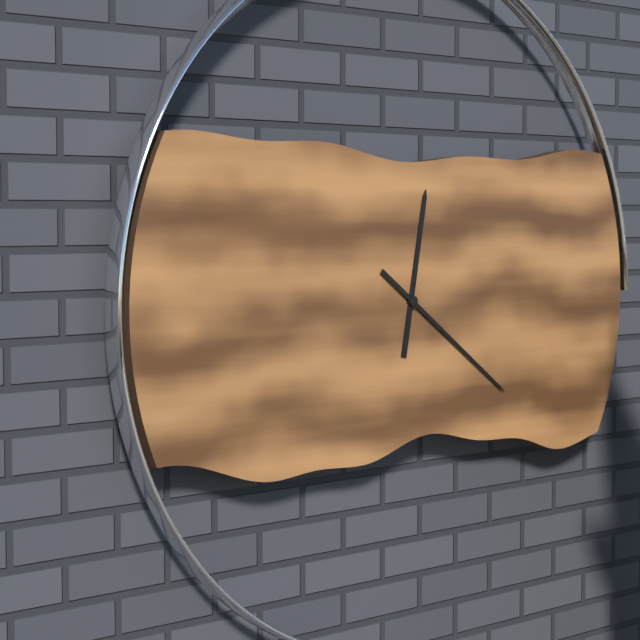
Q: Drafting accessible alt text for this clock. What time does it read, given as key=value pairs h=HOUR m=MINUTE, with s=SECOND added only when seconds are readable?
h=12 m=21
